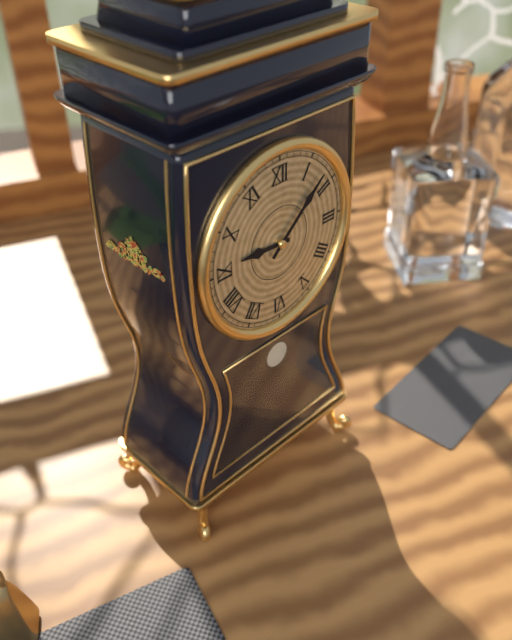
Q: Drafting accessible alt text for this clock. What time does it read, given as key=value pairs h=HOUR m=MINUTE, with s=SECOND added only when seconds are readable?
h=9 m=8
